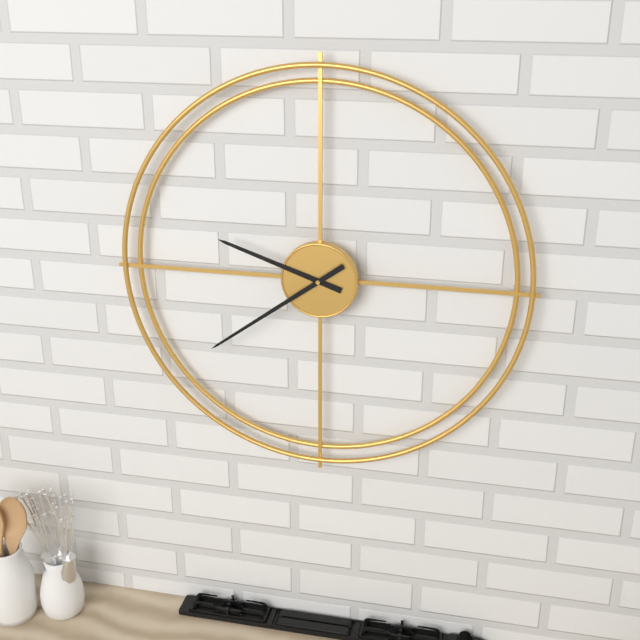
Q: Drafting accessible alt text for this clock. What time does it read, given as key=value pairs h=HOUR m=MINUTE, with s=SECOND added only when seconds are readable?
h=9 m=39
